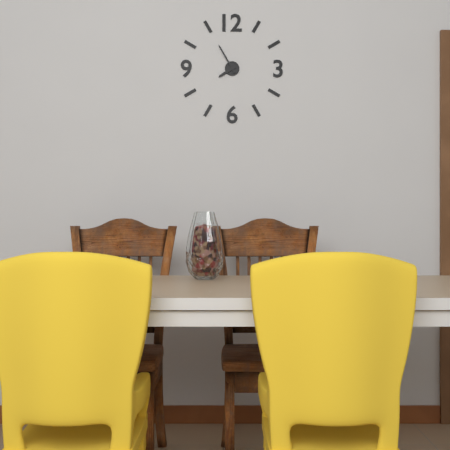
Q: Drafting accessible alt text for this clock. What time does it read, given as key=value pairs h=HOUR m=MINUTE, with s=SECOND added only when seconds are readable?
h=7 m=55
